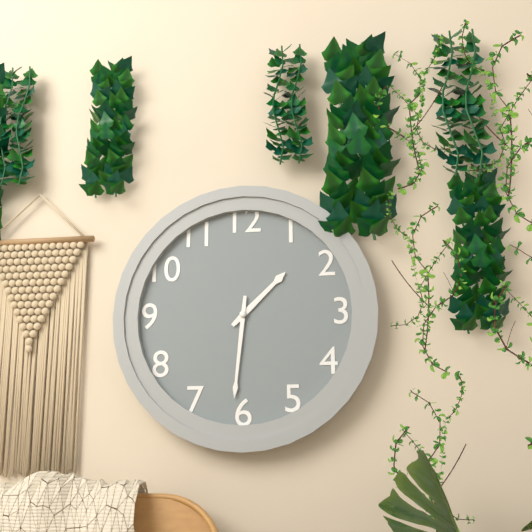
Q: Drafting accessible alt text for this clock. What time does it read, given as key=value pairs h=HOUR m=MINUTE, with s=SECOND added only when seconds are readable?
h=1 m=31
